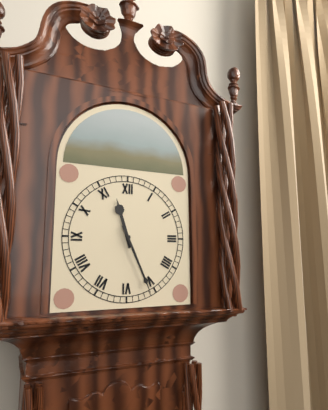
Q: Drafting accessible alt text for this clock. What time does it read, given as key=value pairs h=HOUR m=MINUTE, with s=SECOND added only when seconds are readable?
h=11 m=26
